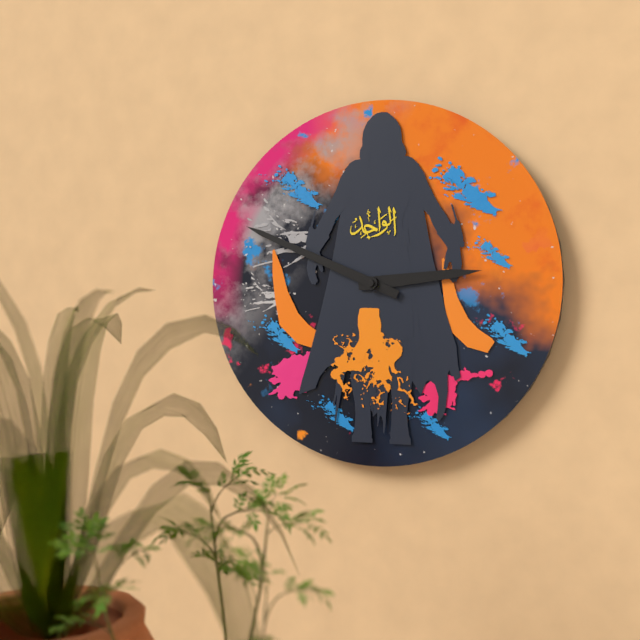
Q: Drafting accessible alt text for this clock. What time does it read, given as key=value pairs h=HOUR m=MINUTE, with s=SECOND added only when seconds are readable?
h=2 m=49
